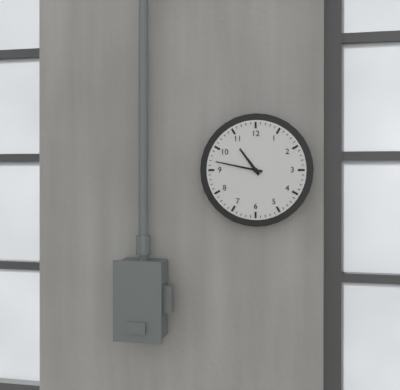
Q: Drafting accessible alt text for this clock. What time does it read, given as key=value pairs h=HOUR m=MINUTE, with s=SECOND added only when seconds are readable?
h=10 m=47
